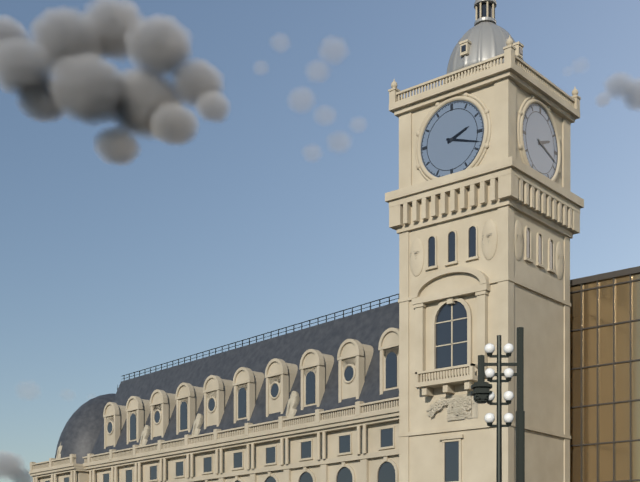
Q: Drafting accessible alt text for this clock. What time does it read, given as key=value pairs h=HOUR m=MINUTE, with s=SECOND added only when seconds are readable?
h=2 m=18
